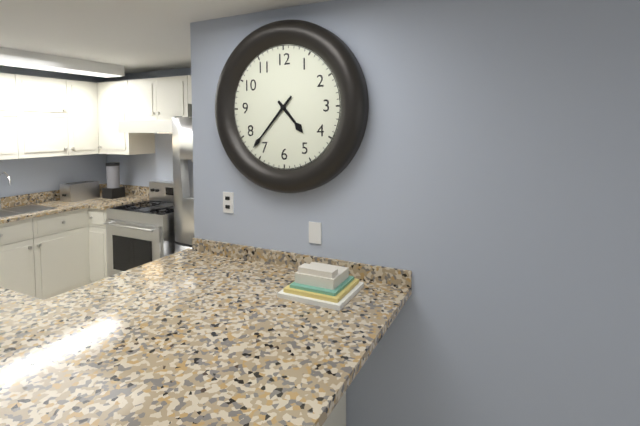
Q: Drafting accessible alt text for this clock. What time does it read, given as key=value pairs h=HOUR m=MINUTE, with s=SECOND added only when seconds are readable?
h=4 m=37
